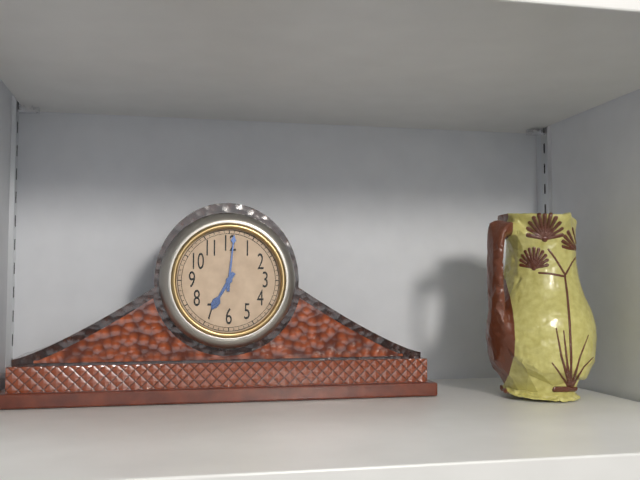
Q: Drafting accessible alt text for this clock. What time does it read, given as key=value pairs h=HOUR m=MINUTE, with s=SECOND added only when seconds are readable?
h=7 m=1
